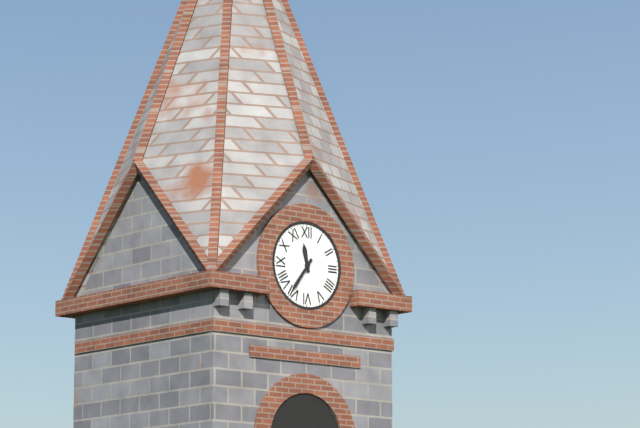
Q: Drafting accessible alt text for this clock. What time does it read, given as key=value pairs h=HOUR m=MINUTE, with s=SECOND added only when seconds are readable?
h=11 m=36
